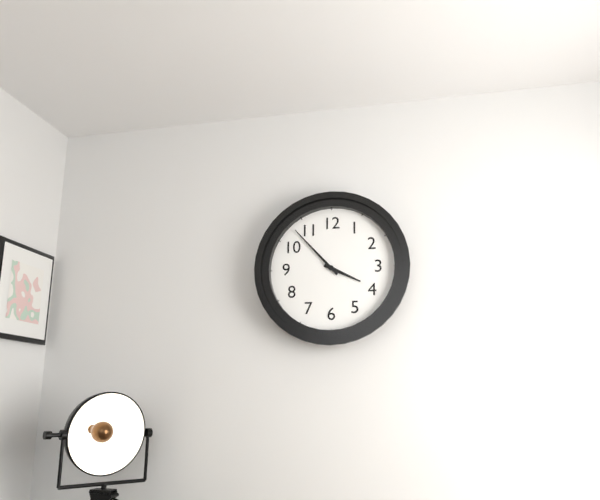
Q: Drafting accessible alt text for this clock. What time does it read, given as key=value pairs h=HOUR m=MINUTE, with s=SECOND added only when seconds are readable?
h=3 m=53
